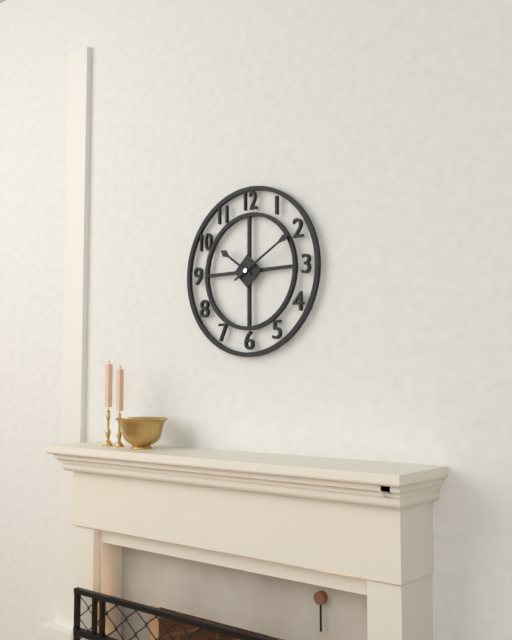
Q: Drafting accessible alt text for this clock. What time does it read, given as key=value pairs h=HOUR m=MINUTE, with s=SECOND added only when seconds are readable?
h=10 m=10
